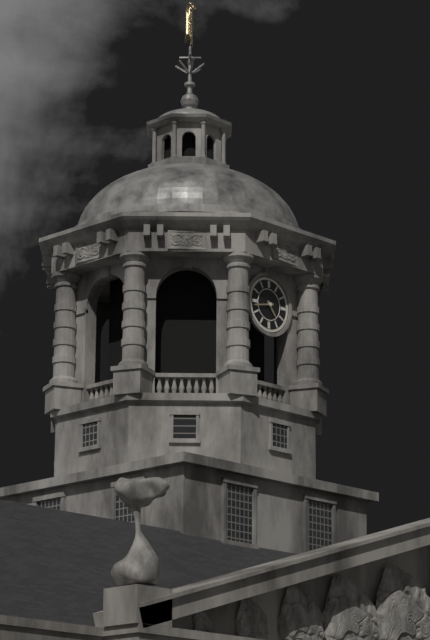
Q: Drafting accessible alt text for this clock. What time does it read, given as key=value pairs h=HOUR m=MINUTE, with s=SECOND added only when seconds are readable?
h=4 m=43
